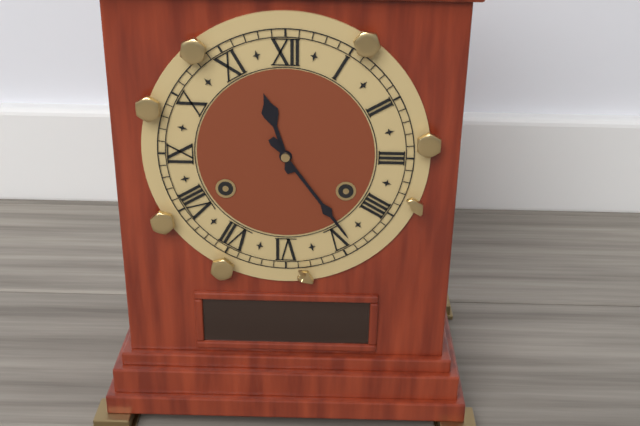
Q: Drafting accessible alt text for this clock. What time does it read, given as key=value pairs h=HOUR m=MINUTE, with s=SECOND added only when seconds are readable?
h=11 m=24
